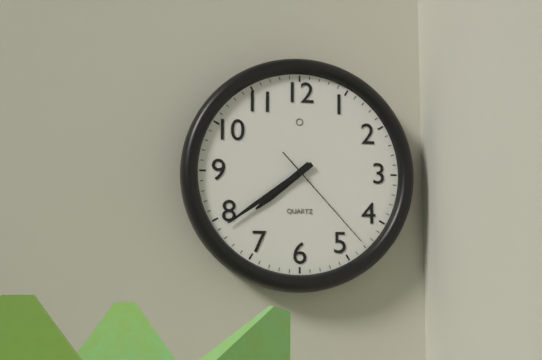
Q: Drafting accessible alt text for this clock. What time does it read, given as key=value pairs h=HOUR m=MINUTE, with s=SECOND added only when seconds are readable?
h=7 m=39 s=23
